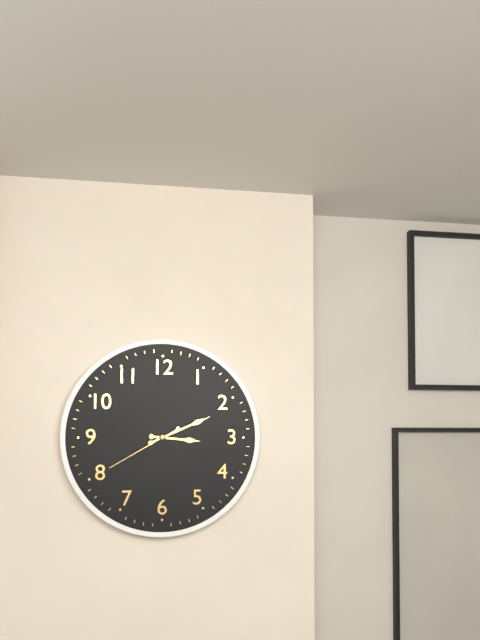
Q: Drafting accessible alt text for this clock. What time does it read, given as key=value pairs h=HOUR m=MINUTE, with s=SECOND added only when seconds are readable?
h=3 m=11 s=40
